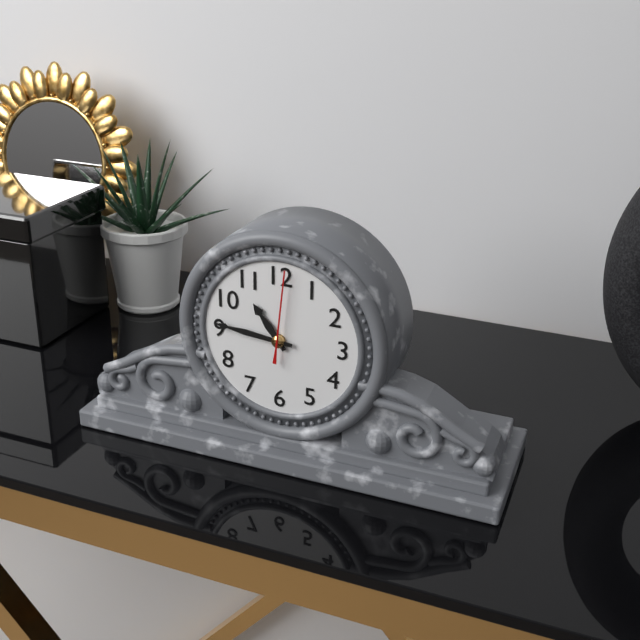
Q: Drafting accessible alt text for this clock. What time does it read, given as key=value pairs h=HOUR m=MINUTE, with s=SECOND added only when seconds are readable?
h=10 m=46 s=1
